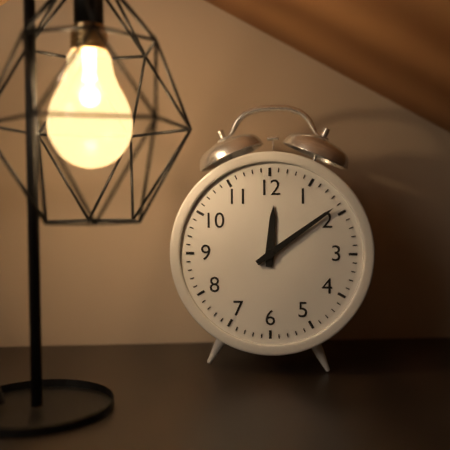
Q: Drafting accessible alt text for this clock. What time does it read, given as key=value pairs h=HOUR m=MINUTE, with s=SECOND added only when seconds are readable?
h=12 m=9
